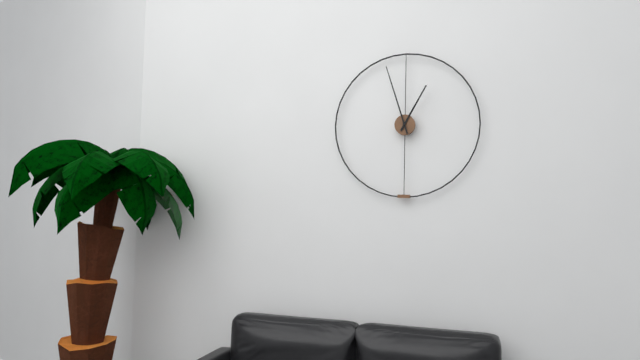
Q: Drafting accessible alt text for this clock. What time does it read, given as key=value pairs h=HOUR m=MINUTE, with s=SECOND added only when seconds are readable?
h=12 m=57
